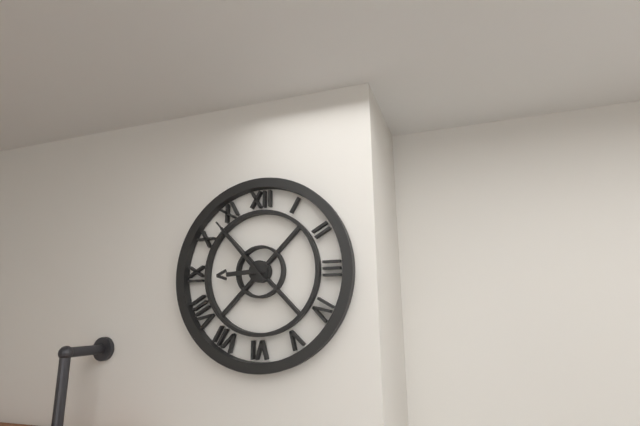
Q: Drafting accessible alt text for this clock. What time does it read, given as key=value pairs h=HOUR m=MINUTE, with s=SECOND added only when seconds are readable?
h=8 m=53
